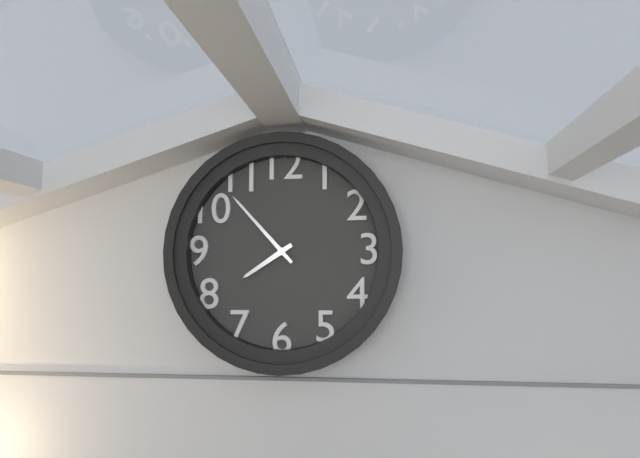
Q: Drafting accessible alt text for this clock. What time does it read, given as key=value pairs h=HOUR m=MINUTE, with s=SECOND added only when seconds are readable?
h=7 m=53
